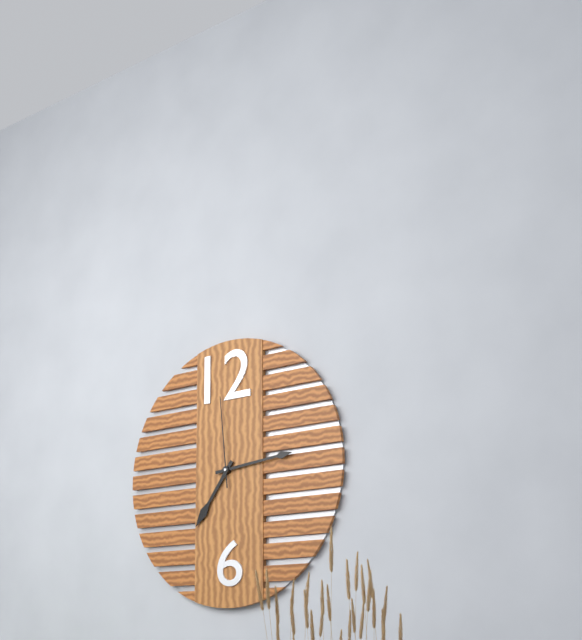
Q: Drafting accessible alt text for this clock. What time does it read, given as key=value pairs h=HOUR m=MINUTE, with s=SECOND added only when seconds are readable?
h=7 m=14 s=59
